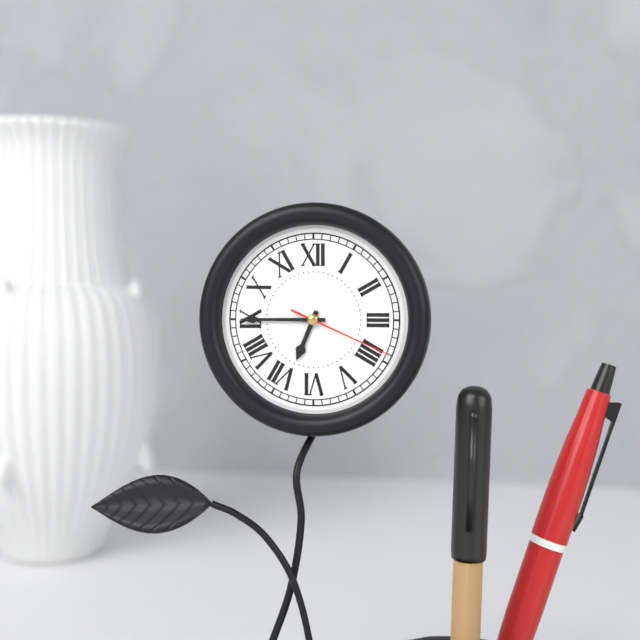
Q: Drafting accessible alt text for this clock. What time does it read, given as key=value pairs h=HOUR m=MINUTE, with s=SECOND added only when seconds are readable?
h=6 m=45 s=19
